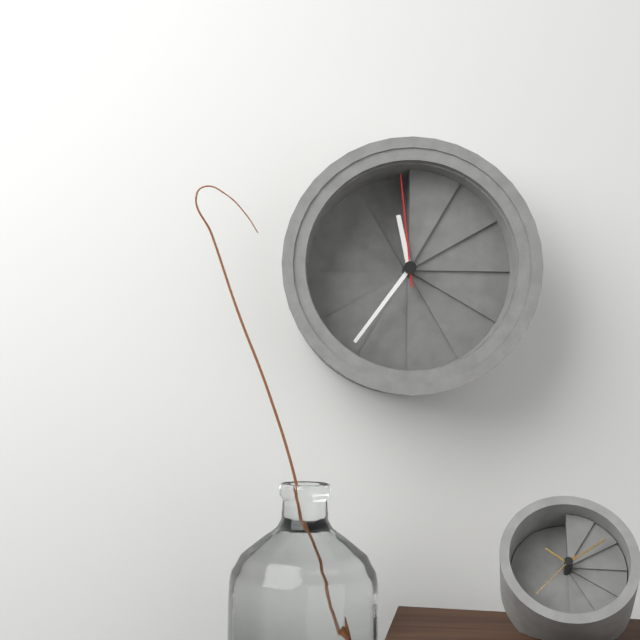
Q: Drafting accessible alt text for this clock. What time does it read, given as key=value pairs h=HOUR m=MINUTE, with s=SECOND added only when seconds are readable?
h=11 m=36 s=59
